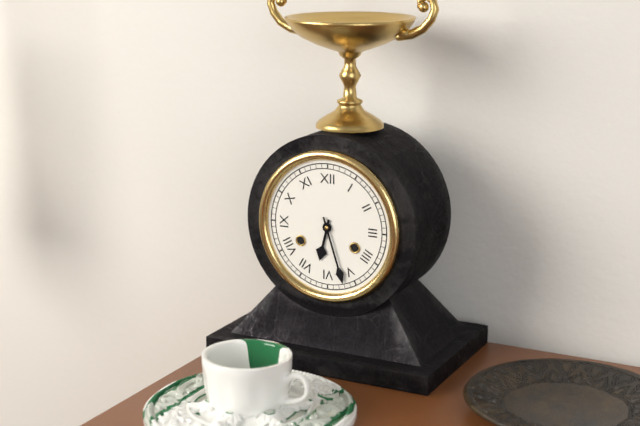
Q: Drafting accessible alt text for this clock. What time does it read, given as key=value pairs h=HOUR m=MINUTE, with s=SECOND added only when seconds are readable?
h=6 m=27
